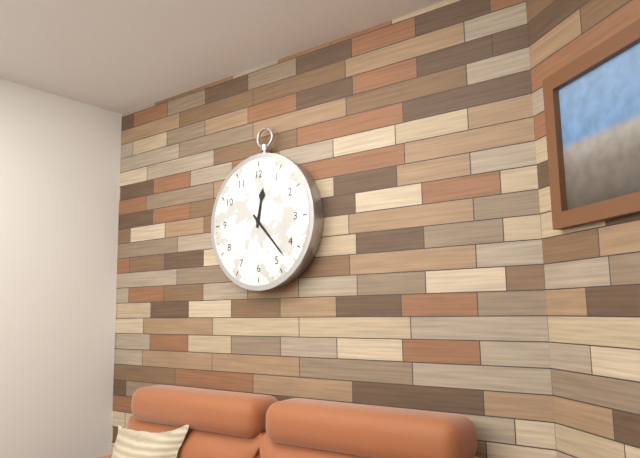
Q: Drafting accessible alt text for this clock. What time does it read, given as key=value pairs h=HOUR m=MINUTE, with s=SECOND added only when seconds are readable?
h=12 m=23
